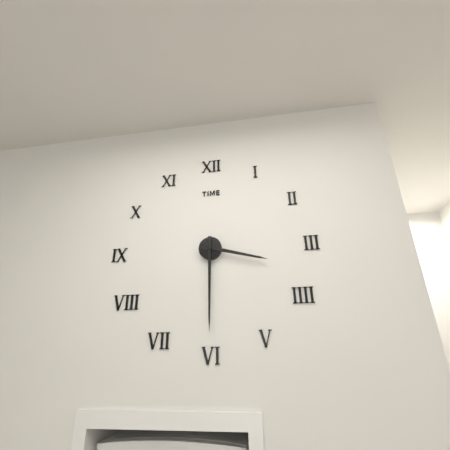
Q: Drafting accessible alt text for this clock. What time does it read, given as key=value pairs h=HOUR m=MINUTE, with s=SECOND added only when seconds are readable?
h=3 m=30
